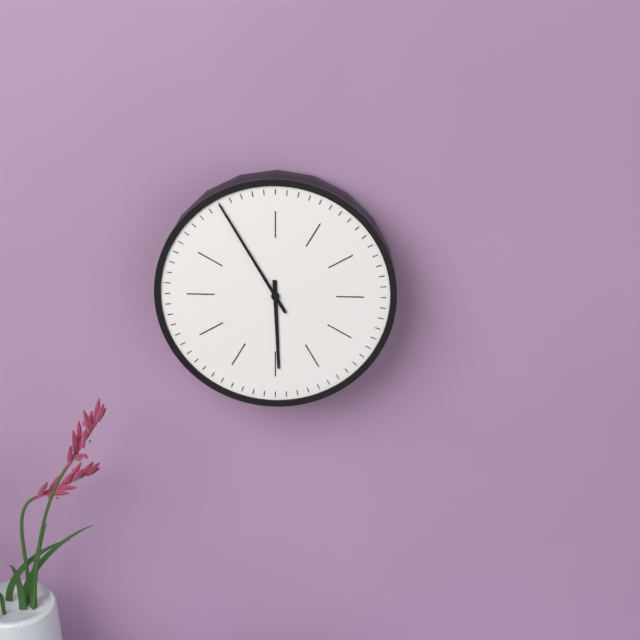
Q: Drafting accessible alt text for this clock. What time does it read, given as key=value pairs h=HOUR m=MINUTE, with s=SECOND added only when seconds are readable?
h=5 m=55
